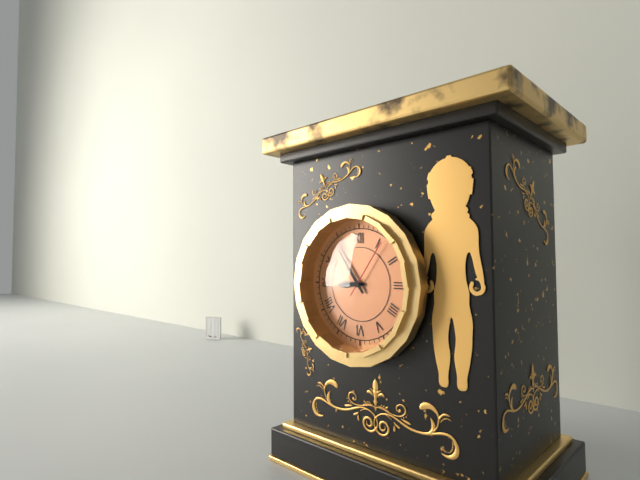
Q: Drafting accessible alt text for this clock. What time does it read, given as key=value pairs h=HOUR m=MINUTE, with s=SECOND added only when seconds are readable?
h=8 m=54 s=6
